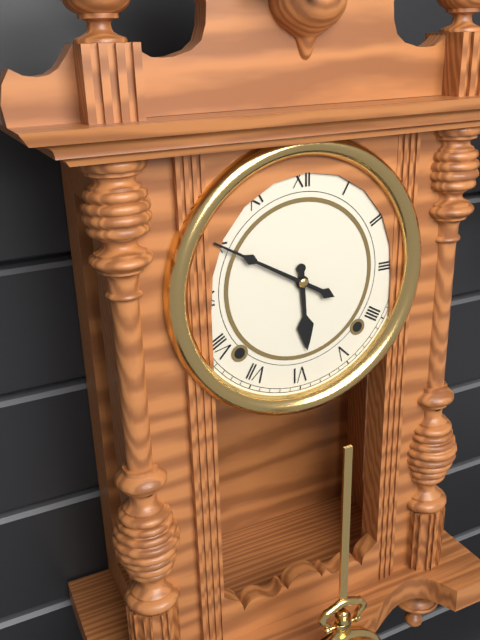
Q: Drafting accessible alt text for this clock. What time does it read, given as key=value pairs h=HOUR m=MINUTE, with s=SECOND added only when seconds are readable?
h=5 m=50
